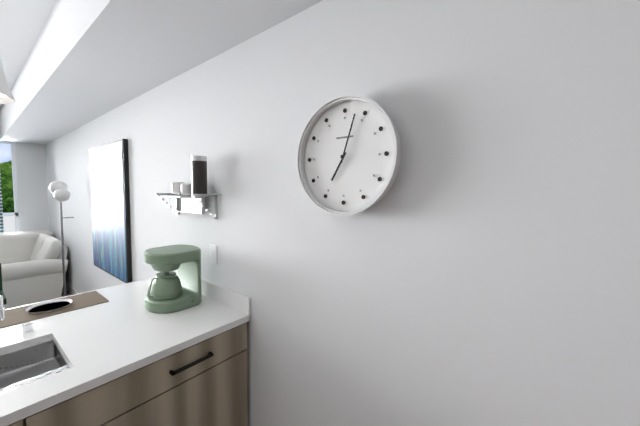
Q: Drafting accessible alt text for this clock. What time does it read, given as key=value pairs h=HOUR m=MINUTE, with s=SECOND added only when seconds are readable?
h=7 m=3
